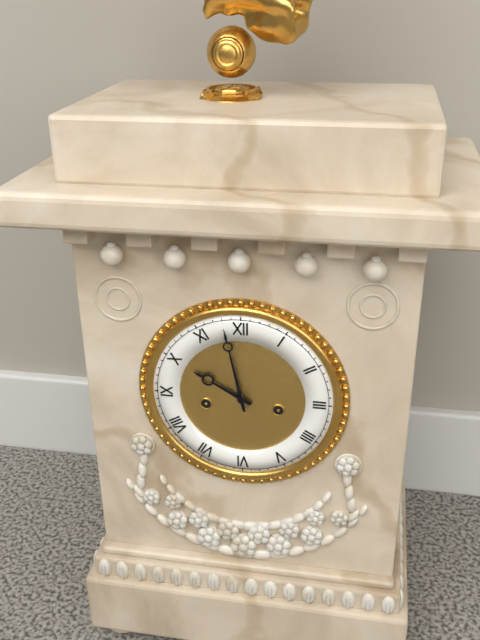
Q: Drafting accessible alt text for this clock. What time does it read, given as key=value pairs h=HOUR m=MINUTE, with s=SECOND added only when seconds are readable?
h=9 m=58
